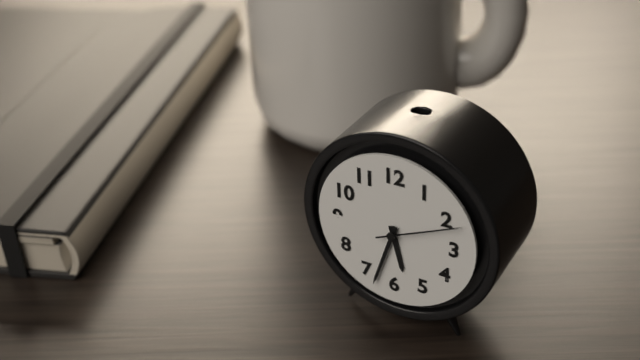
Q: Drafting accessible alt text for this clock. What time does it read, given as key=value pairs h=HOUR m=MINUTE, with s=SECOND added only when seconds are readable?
h=5 m=33 s=11
